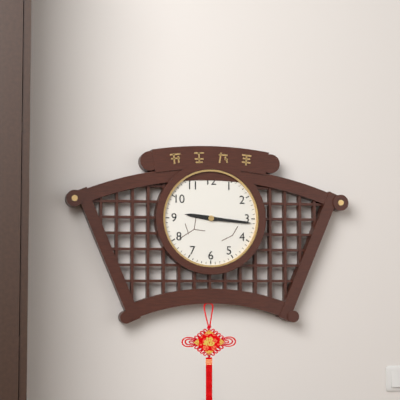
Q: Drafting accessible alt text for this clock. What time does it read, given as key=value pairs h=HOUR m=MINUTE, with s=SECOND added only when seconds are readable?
h=9 m=16
